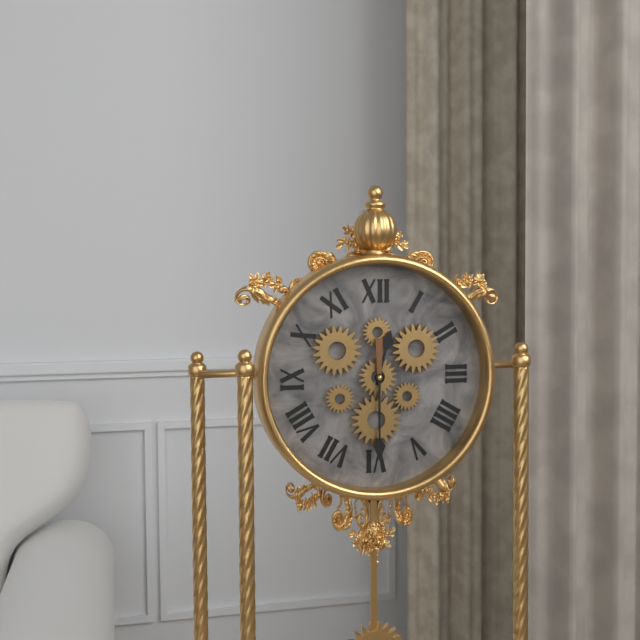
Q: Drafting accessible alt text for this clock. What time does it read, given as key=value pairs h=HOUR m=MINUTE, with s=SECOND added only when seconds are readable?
h=12 m=30
